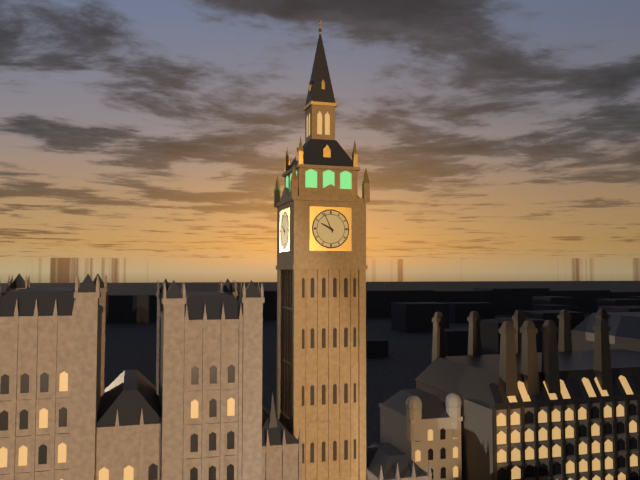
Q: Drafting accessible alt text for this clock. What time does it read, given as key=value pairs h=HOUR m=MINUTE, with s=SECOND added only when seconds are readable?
h=9 m=56
